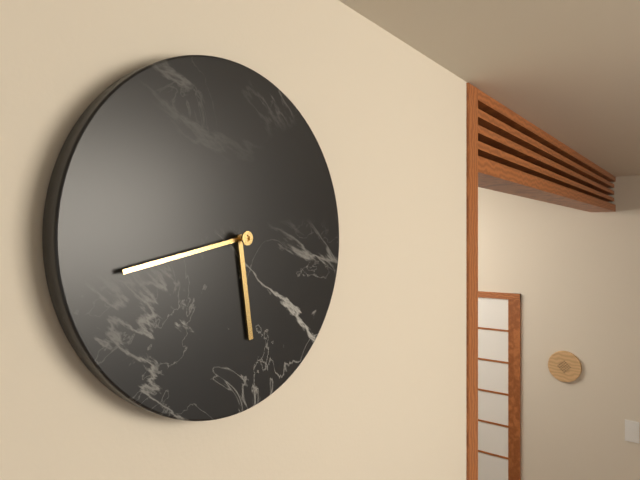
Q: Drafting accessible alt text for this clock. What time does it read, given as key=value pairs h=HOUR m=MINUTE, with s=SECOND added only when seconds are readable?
h=5 m=43
